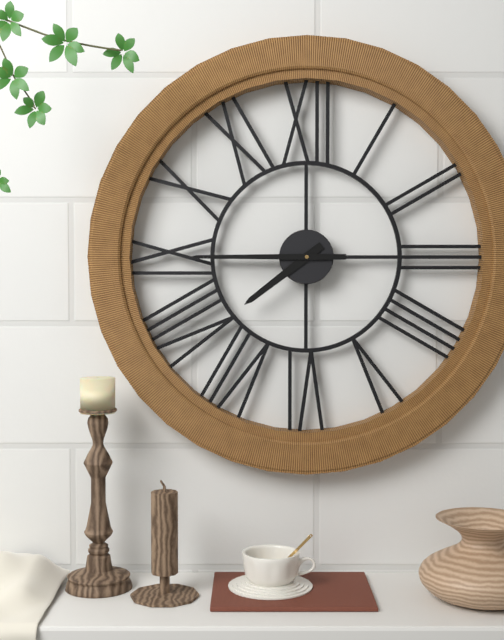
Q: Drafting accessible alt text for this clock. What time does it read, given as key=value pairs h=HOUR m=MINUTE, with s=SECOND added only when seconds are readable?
h=7 m=45
